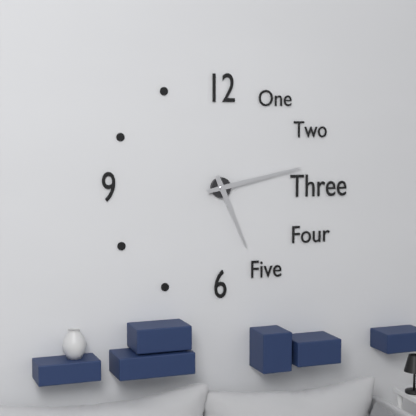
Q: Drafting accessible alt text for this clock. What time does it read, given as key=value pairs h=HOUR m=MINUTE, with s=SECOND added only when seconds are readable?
h=5 m=13
